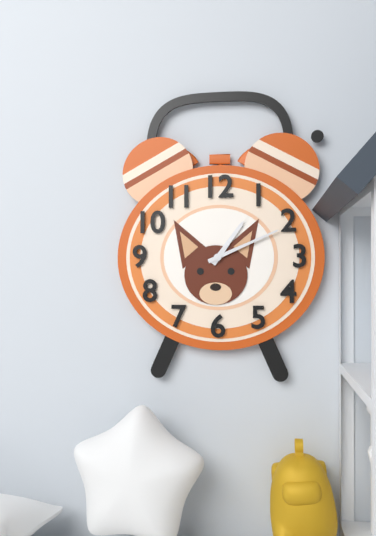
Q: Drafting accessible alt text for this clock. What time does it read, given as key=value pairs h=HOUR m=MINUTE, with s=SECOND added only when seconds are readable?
h=1 m=11
